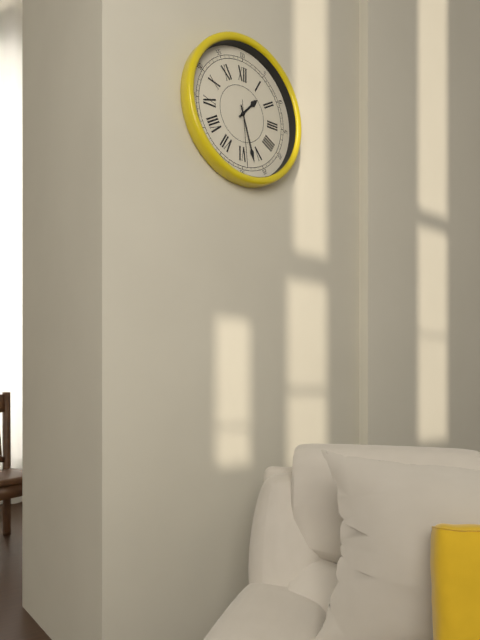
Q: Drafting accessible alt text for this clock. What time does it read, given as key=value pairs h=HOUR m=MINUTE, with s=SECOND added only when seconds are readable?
h=1 m=27 s=29
